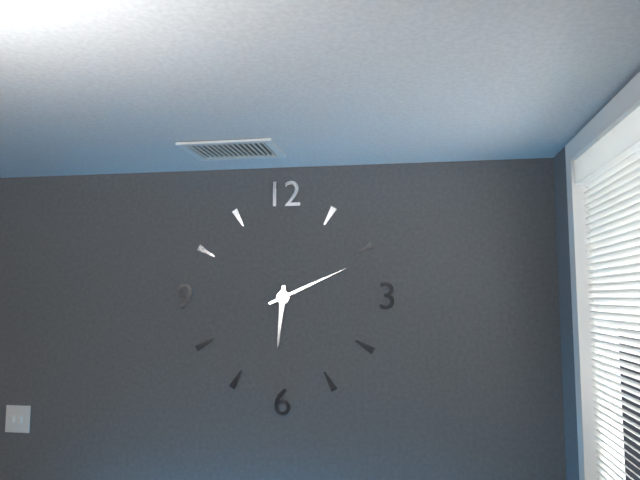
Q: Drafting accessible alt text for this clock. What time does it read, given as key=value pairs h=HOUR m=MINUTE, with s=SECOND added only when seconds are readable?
h=6 m=11
